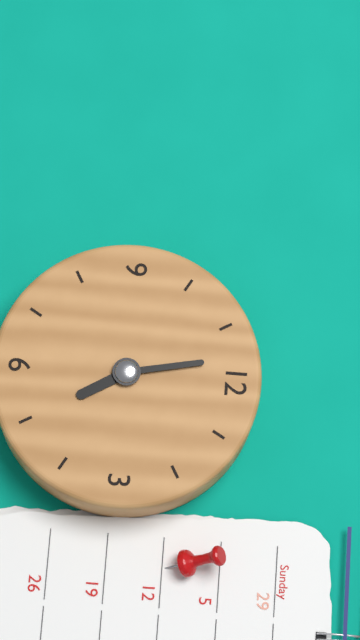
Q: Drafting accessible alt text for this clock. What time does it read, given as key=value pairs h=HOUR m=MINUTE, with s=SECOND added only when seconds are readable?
h=4 m=58
